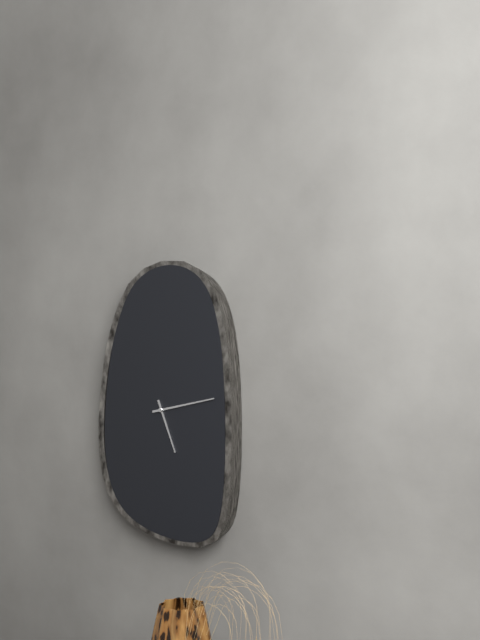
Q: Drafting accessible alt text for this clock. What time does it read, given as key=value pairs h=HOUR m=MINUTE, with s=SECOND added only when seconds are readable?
h=5 m=13
